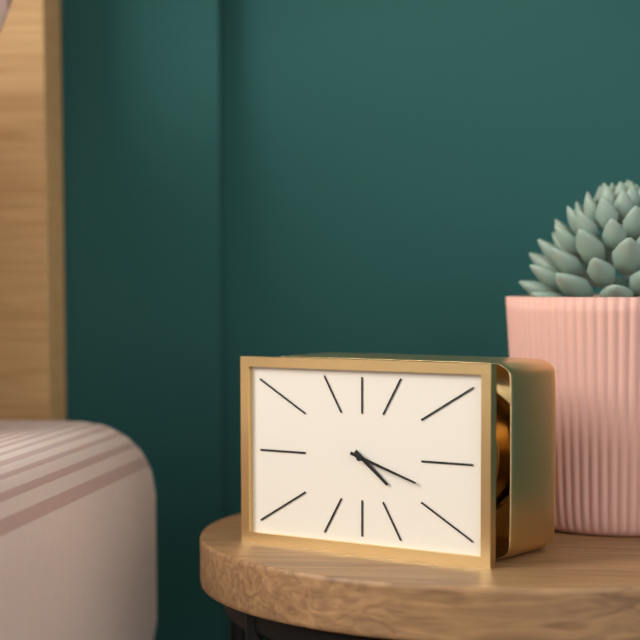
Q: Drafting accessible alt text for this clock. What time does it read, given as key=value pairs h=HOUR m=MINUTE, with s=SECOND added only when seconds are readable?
h=4 m=18
